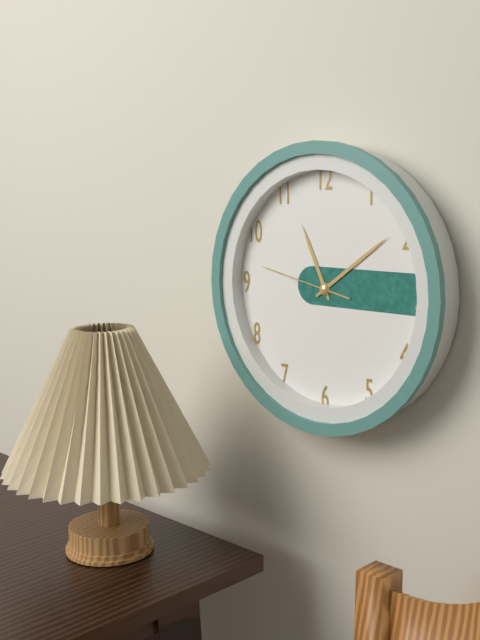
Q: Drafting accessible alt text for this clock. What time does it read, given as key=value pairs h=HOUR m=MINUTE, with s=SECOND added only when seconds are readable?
h=11 m=9 s=47
